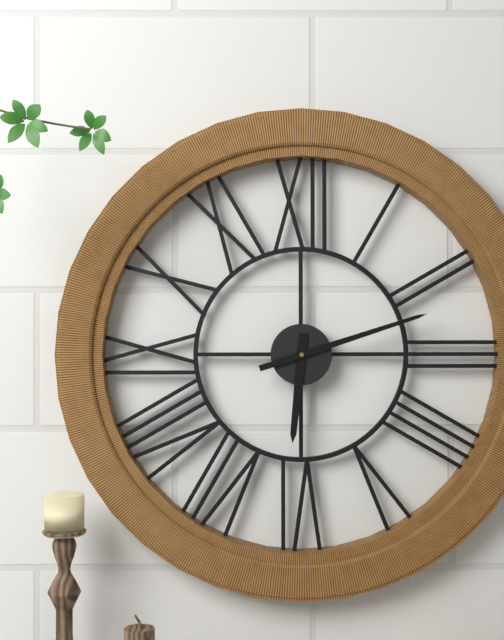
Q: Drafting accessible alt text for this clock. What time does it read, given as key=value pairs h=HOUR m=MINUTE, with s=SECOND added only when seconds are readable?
h=6 m=12
